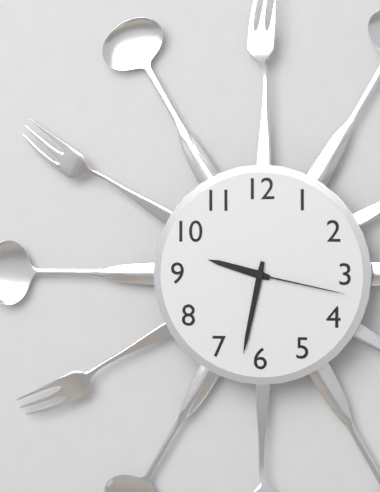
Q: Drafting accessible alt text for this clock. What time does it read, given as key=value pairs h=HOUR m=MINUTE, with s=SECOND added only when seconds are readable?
h=9 m=32 s=17
